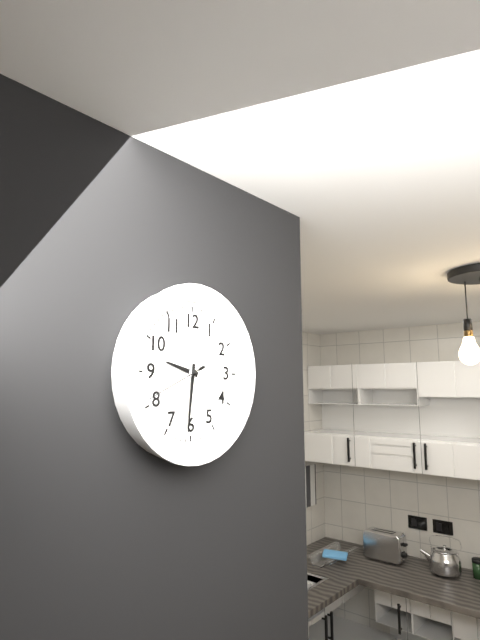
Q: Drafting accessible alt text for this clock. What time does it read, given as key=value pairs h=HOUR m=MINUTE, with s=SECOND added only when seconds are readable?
h=9 m=31 s=41
